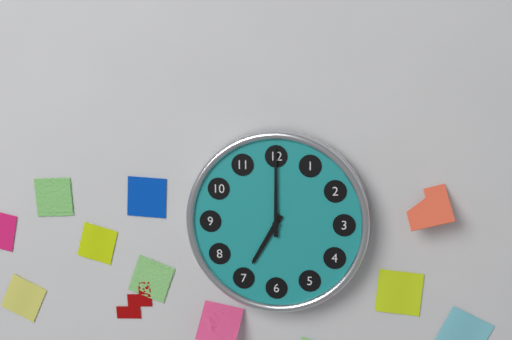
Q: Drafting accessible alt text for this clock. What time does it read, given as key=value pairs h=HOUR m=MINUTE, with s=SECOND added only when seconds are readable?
h=7 m=0
